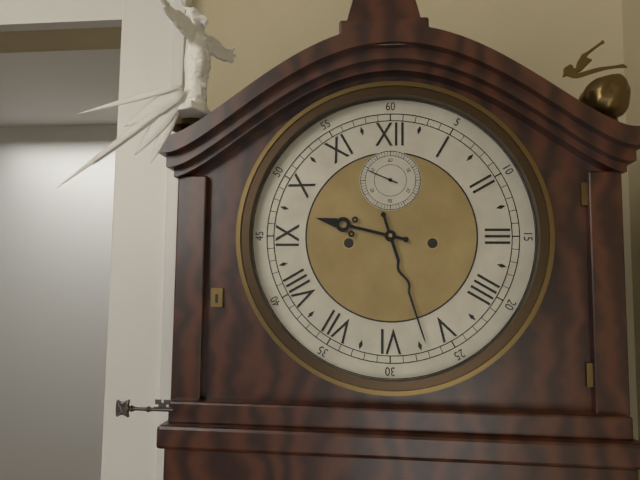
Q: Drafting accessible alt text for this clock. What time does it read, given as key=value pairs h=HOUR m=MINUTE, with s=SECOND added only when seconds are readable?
h=9 m=27
